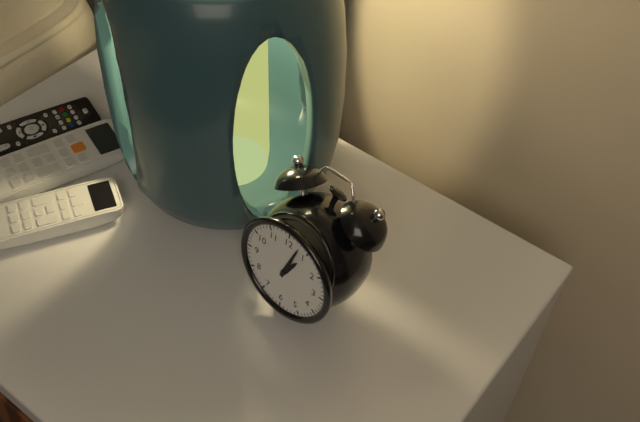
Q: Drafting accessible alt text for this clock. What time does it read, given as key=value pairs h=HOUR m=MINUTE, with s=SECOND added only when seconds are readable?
h=1 m=3
